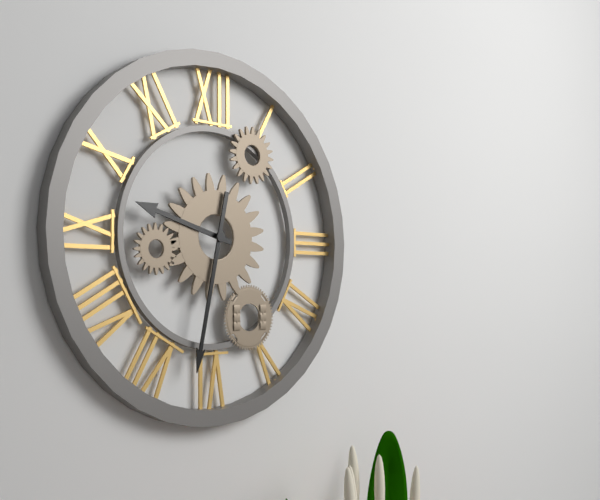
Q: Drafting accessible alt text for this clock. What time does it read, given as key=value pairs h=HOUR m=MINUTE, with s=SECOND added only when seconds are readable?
h=9 m=32
